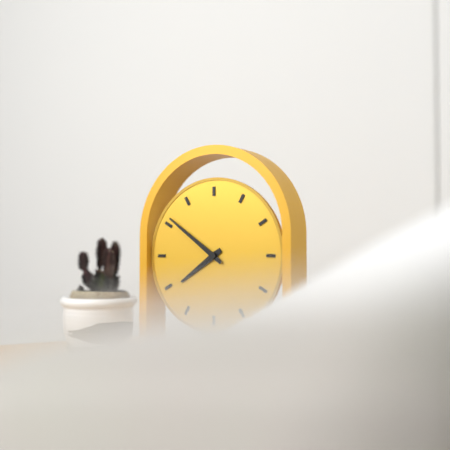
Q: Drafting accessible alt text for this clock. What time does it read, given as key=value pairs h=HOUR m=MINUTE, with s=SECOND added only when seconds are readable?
h=7 m=51
